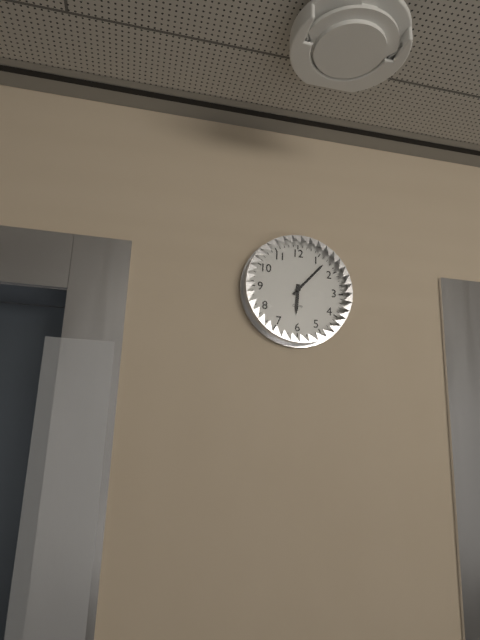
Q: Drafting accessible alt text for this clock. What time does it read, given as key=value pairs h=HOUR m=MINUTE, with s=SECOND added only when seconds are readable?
h=6 m=7
